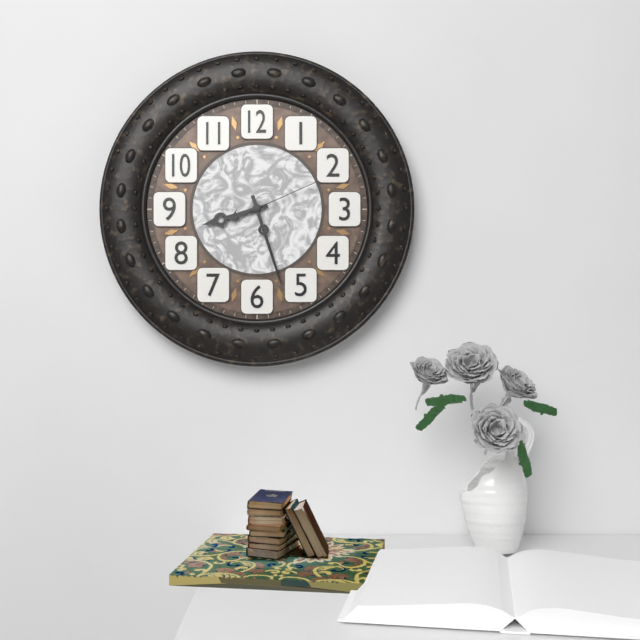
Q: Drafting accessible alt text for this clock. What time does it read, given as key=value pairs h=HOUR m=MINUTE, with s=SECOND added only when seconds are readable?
h=8 m=27 s=11
